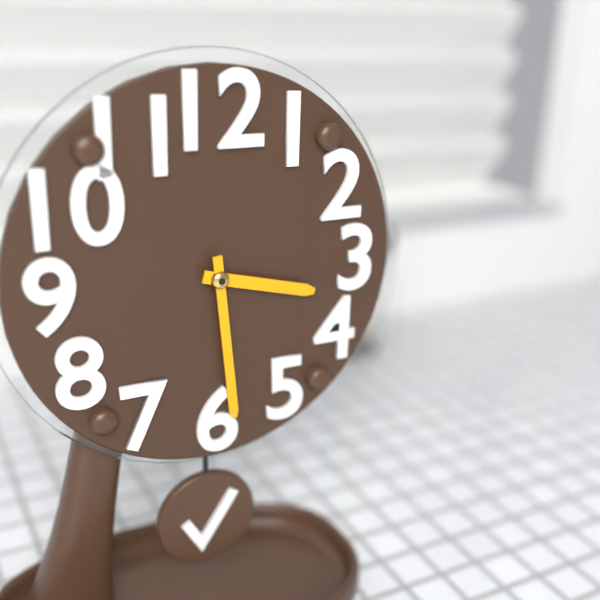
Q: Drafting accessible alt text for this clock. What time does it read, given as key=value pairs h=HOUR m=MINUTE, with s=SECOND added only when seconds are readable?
h=3 m=29
